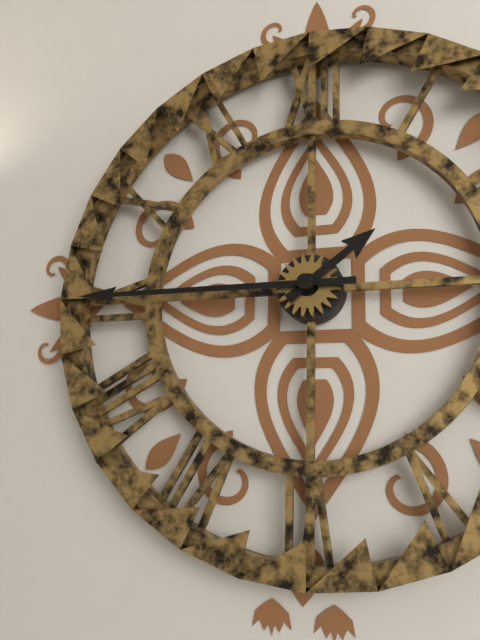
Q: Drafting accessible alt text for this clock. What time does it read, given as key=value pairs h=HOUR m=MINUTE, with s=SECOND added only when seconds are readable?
h=1 m=45
